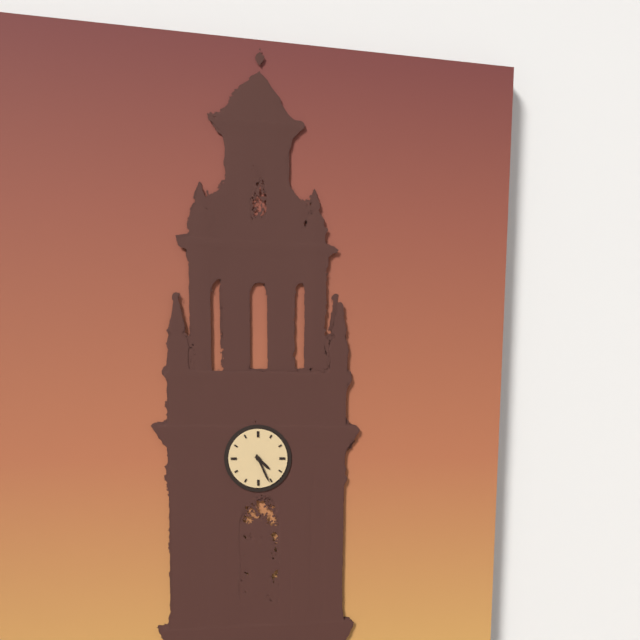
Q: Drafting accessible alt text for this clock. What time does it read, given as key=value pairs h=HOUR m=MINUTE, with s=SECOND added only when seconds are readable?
h=4 m=26
